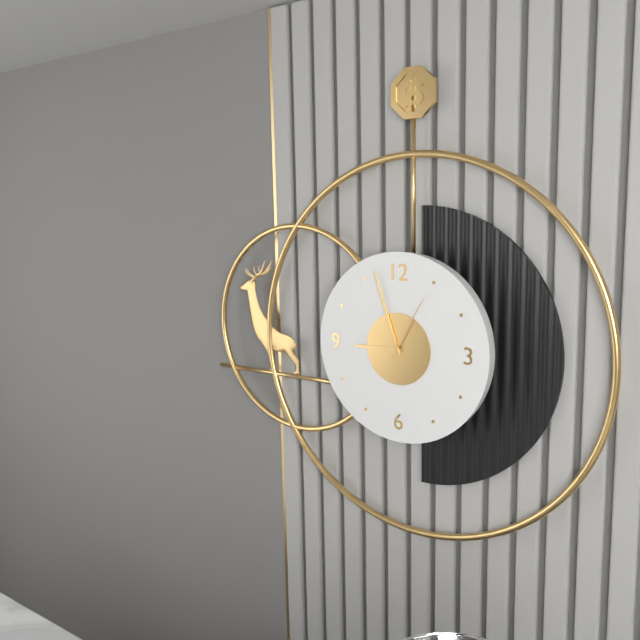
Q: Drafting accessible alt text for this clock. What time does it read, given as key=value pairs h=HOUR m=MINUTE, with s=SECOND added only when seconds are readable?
h=8 m=57 s=5
